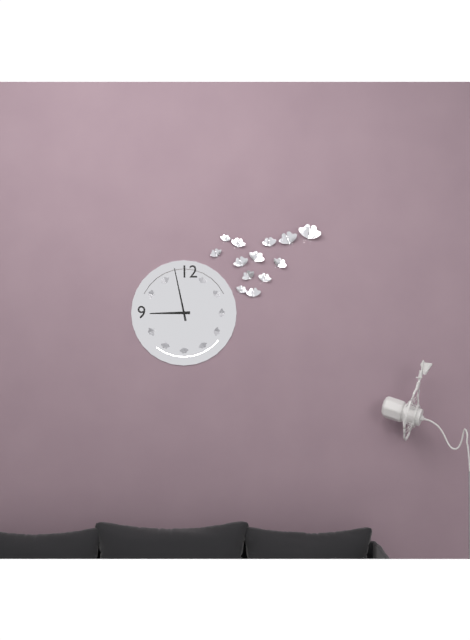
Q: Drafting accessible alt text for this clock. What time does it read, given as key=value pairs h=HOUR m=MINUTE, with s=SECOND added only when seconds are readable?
h=8 m=58
